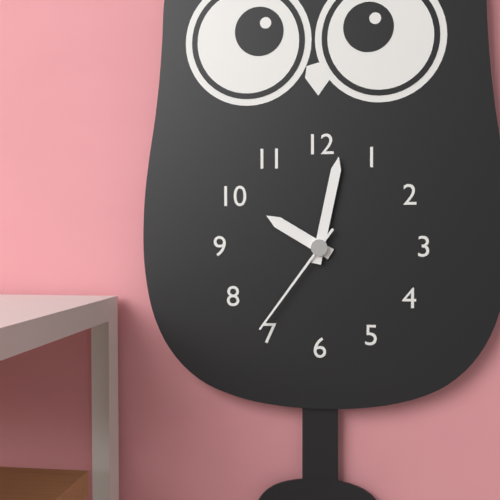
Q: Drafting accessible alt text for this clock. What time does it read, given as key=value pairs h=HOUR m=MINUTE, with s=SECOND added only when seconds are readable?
h=10 m=2 s=36
